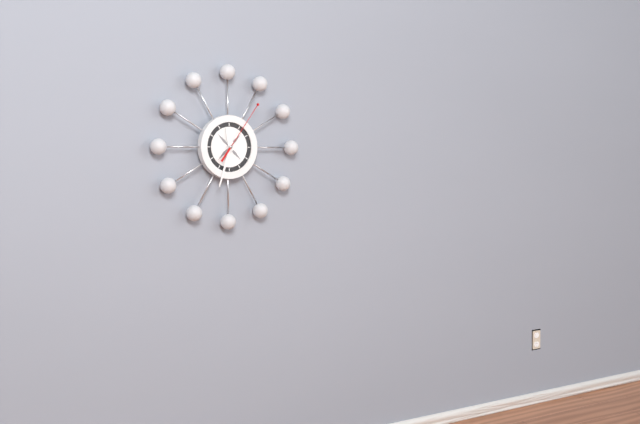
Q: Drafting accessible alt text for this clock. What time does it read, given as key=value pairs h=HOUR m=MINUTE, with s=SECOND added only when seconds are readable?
h=11 m=33 s=6
